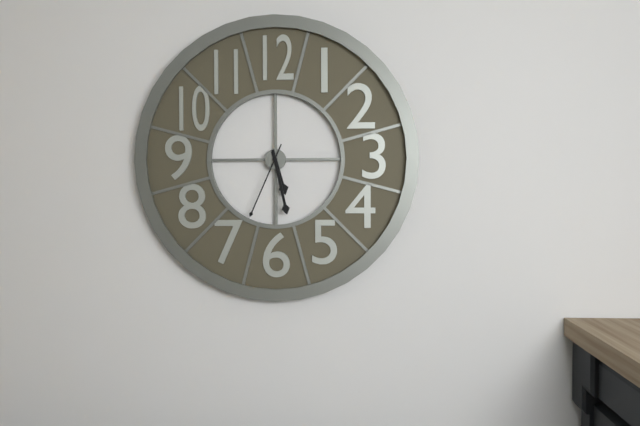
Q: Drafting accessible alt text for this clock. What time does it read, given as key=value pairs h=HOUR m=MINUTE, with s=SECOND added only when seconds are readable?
h=5 m=28 s=34
